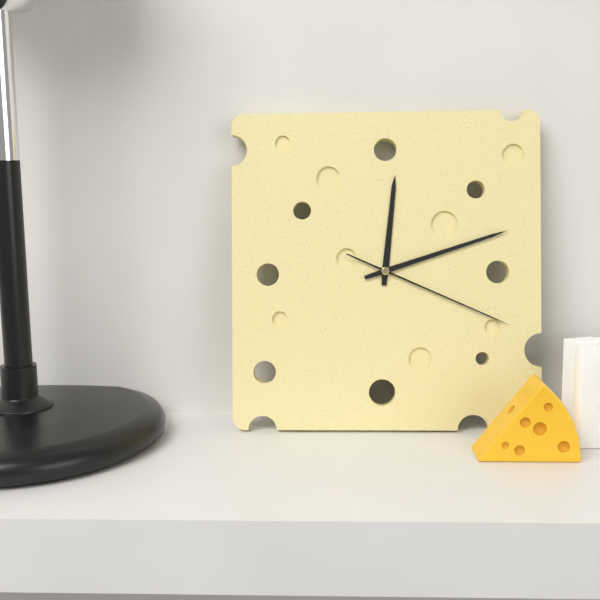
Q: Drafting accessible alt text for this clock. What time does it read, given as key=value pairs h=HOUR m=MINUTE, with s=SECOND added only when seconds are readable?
h=12 m=12 s=19
